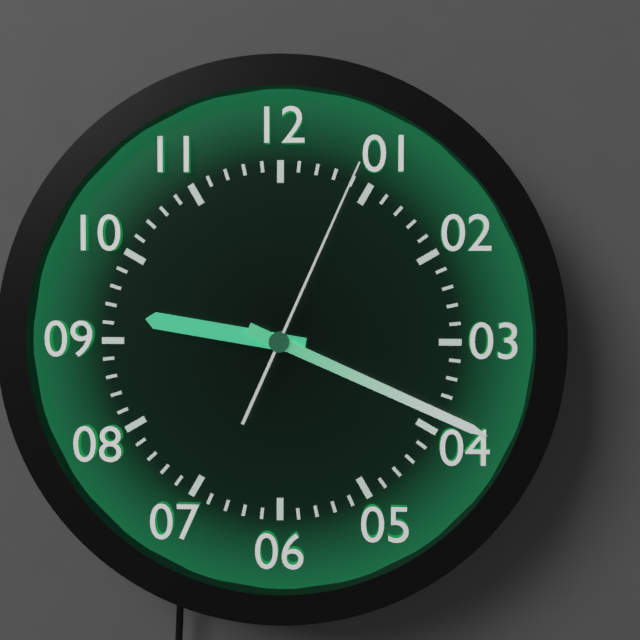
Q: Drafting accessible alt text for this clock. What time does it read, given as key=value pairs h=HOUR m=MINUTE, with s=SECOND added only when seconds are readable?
h=9 m=19 s=4
